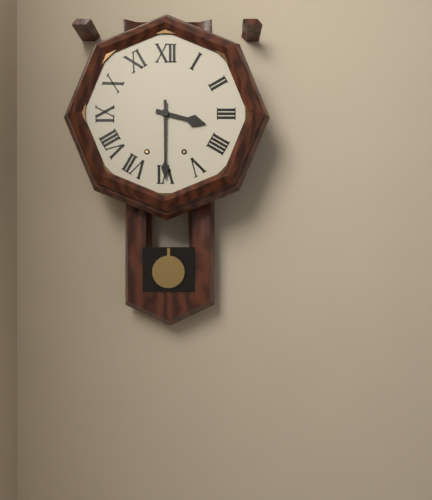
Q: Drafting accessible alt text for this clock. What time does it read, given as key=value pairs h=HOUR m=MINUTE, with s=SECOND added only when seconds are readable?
h=3 m=30
